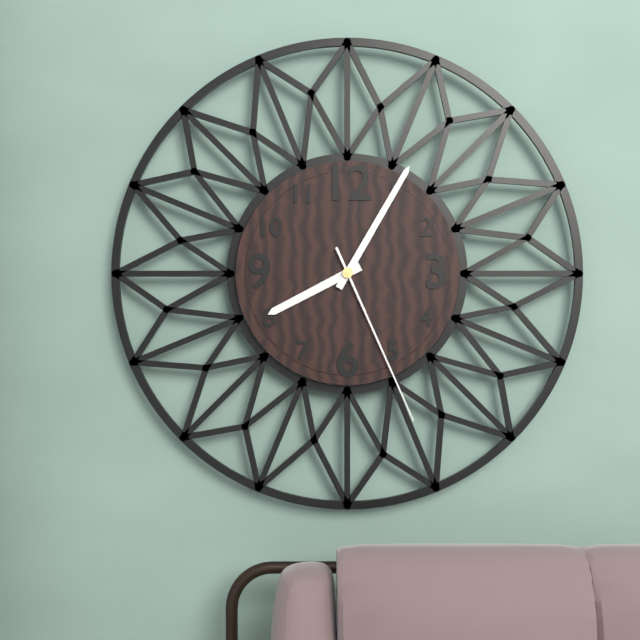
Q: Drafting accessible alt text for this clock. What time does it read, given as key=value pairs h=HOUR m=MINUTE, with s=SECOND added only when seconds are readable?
h=8 m=5 s=26
